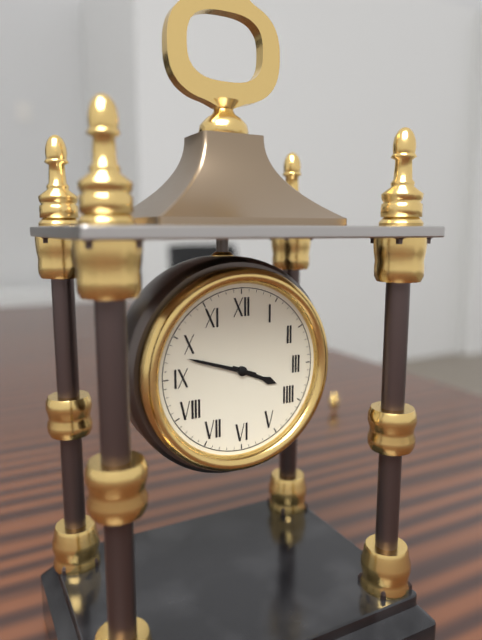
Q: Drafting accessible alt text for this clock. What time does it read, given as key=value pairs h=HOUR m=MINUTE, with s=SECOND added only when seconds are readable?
h=3 m=48
